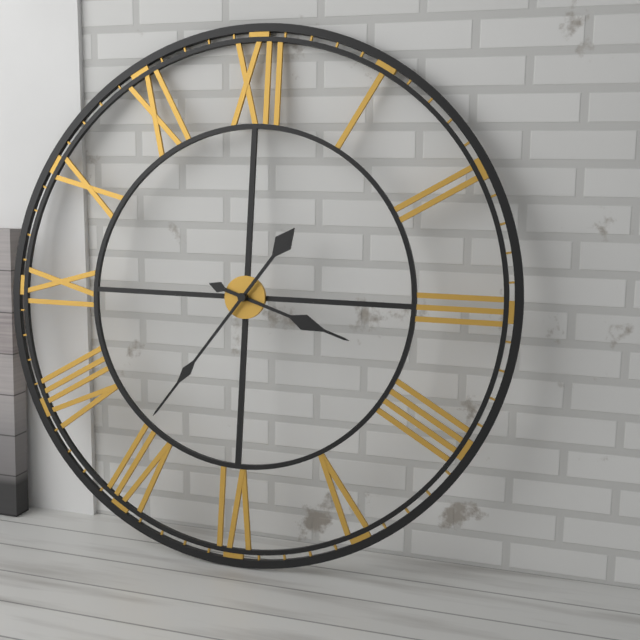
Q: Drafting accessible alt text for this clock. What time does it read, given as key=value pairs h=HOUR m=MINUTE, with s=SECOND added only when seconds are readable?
h=3 m=36
